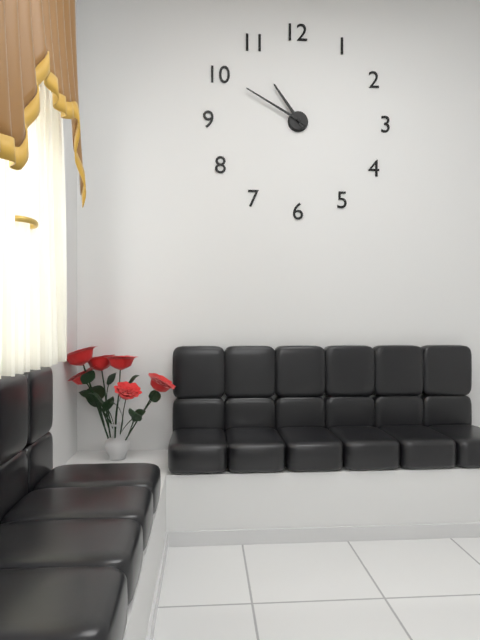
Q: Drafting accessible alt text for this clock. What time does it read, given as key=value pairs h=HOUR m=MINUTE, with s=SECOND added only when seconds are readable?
h=10 m=50
